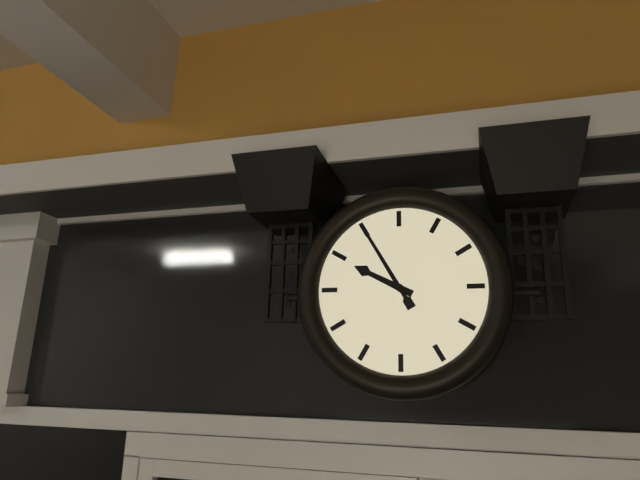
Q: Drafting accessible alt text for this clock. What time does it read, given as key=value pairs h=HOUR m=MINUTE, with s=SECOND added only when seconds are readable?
h=9 m=55
